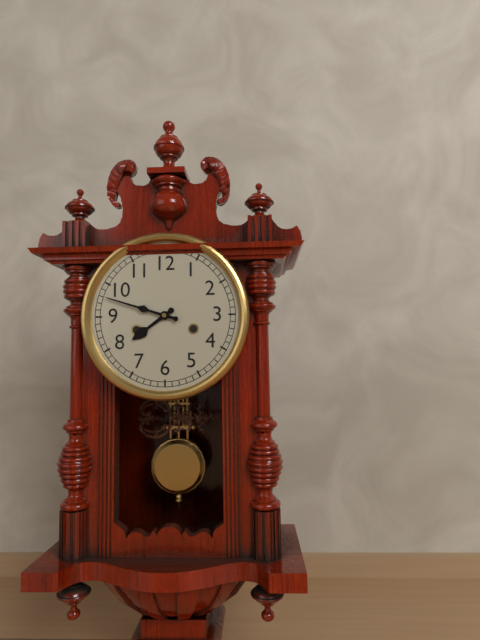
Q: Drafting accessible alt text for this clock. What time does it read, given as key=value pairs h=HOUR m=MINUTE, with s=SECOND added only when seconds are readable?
h=7 m=48
